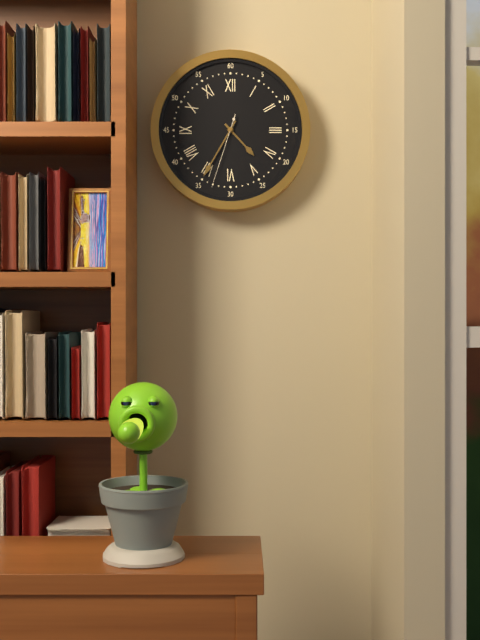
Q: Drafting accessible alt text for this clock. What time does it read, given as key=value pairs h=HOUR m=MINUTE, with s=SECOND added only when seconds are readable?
h=4 m=35 s=33
